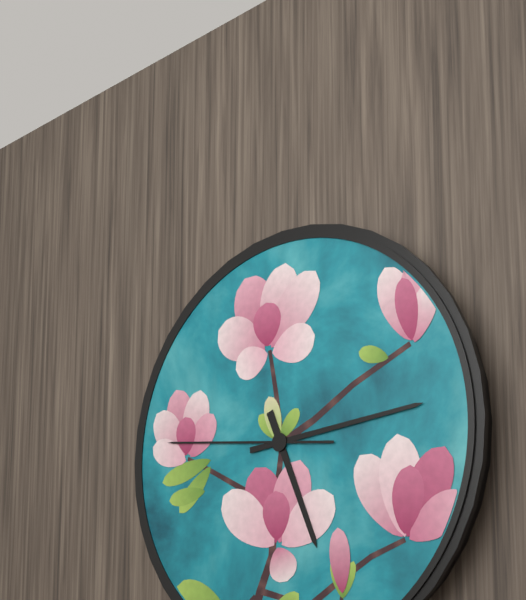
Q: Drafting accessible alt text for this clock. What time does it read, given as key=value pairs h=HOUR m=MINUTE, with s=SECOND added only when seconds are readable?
h=5 m=14 s=46
